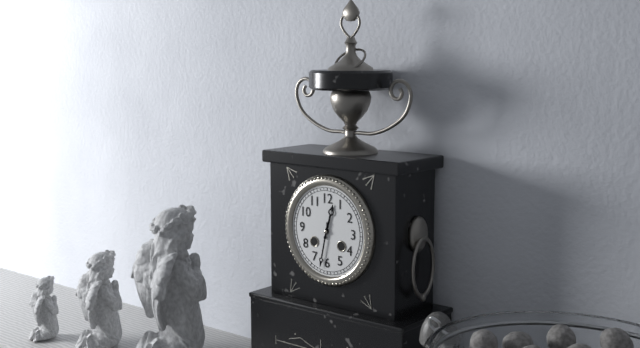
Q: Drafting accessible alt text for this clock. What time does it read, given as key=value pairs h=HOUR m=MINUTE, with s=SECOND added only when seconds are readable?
h=12 m=32
